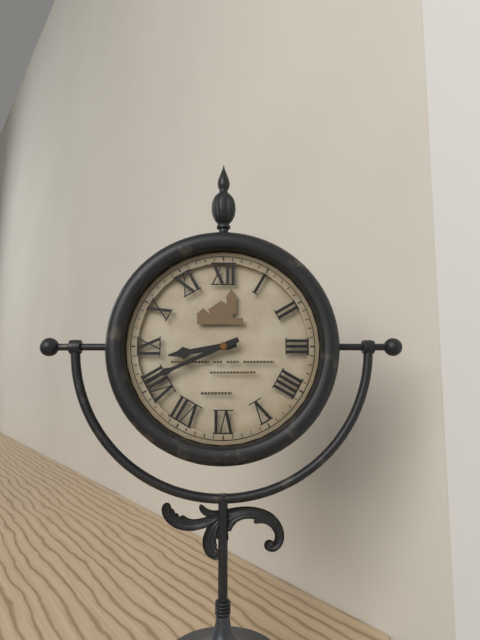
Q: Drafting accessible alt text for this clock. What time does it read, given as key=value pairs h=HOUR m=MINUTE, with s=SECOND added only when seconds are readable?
h=8 m=41
